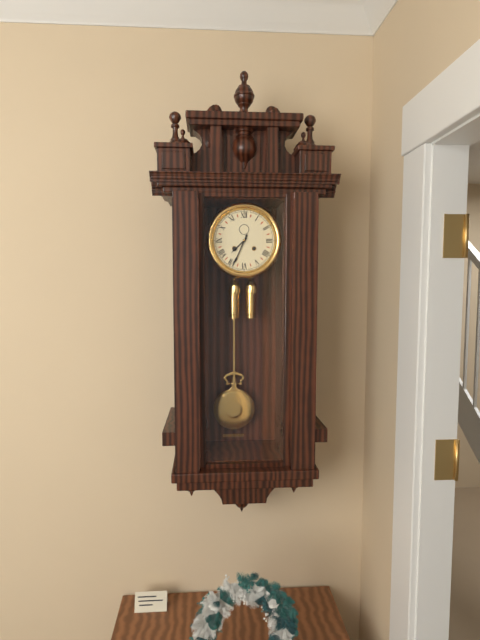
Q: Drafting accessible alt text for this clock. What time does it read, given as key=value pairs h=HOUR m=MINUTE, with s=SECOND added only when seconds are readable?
h=7 m=34
